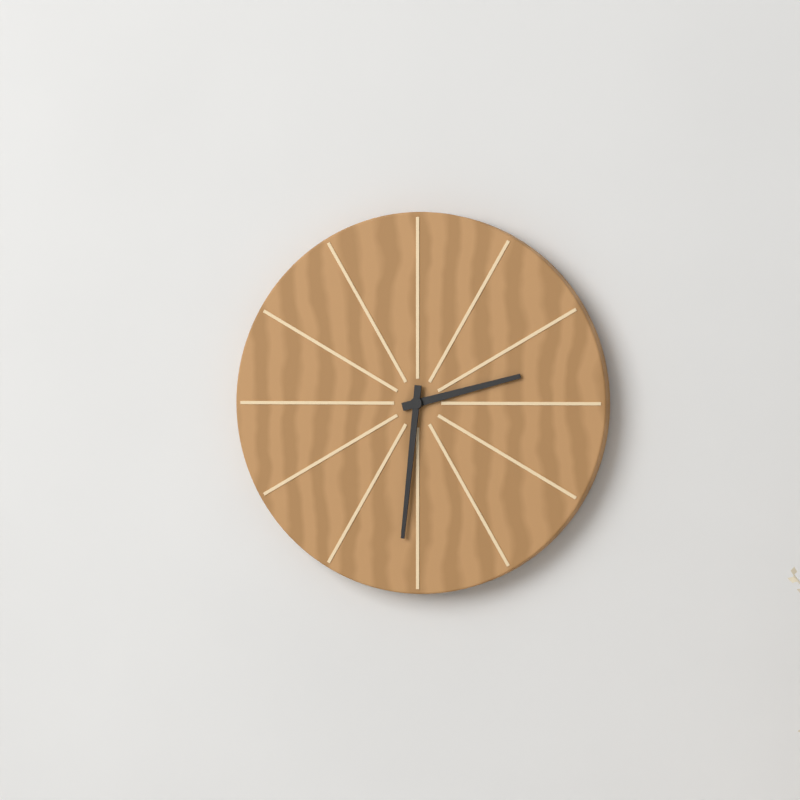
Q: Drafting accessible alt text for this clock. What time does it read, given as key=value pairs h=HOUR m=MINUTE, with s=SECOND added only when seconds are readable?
h=2 m=31
